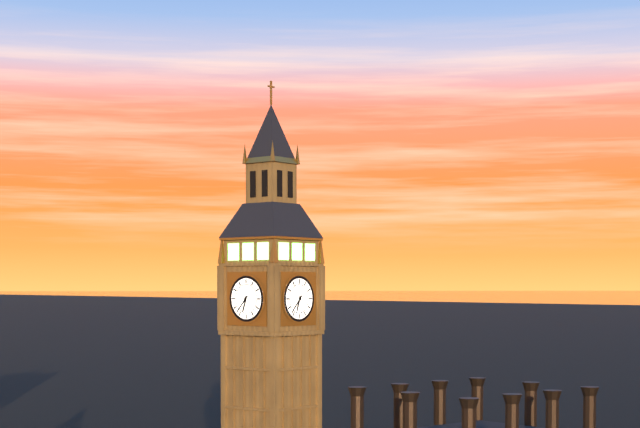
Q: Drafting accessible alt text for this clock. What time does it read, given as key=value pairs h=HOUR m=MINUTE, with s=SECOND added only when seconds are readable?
h=6 m=37
